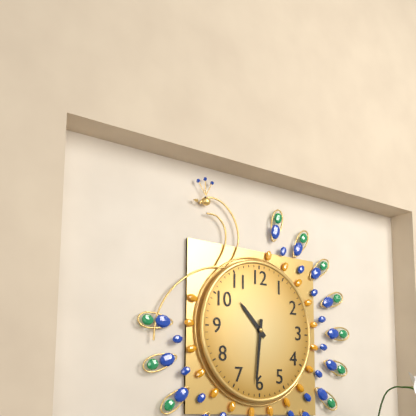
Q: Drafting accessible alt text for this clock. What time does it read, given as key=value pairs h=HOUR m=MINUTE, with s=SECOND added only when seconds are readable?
h=10 m=31
